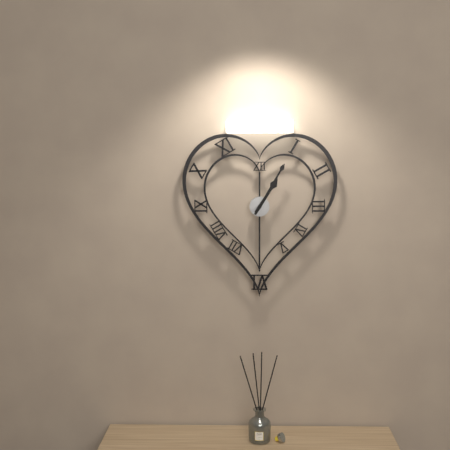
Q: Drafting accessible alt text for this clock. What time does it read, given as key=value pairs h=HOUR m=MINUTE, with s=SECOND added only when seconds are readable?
h=1 m=5
